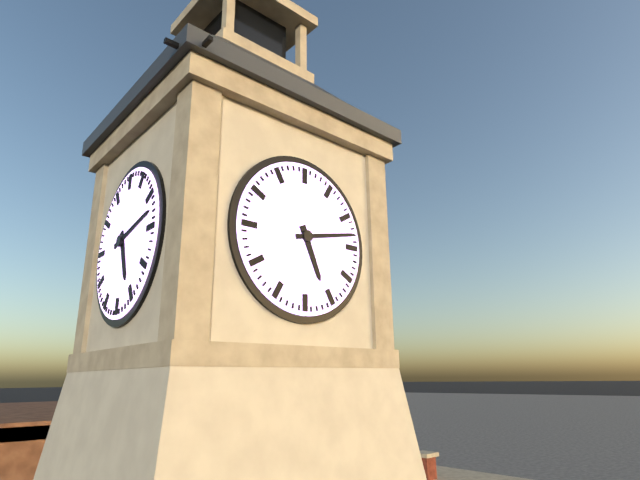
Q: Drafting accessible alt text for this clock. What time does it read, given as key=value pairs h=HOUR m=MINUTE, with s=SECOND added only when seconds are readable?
h=5 m=13
